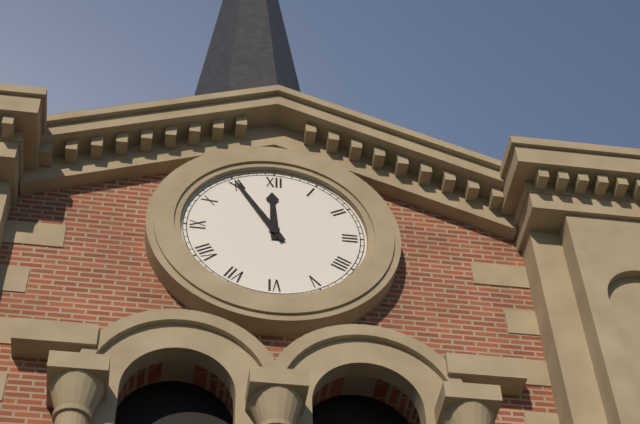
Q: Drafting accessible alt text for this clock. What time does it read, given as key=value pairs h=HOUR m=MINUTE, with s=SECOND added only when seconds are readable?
h=11 m=55
